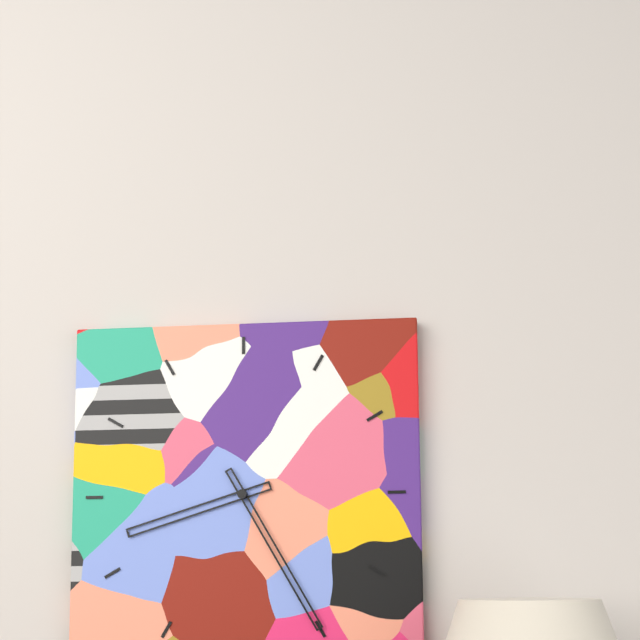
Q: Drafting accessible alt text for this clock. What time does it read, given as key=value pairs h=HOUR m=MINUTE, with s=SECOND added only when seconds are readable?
h=8 m=25
